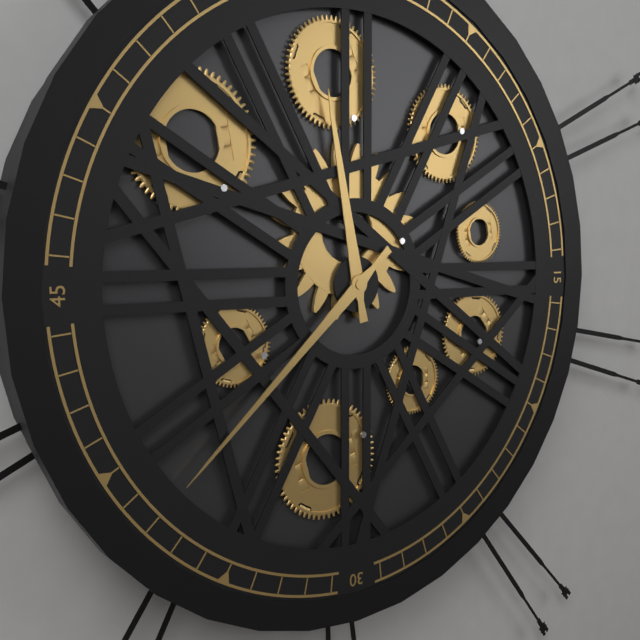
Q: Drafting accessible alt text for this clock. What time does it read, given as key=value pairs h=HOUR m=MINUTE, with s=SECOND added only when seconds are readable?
h=11 m=38
